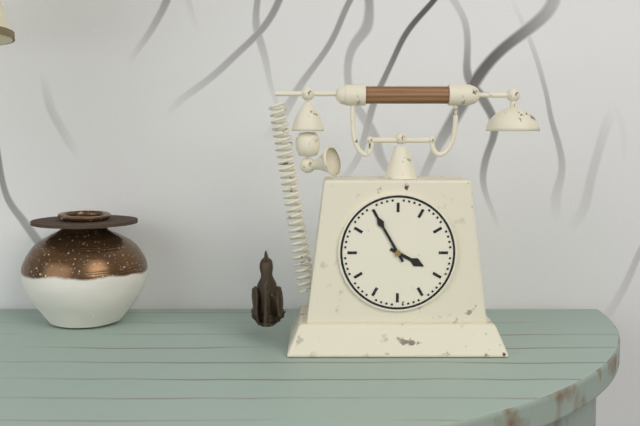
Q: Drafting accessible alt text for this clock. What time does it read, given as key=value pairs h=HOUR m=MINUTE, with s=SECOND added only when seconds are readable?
h=3 m=55
